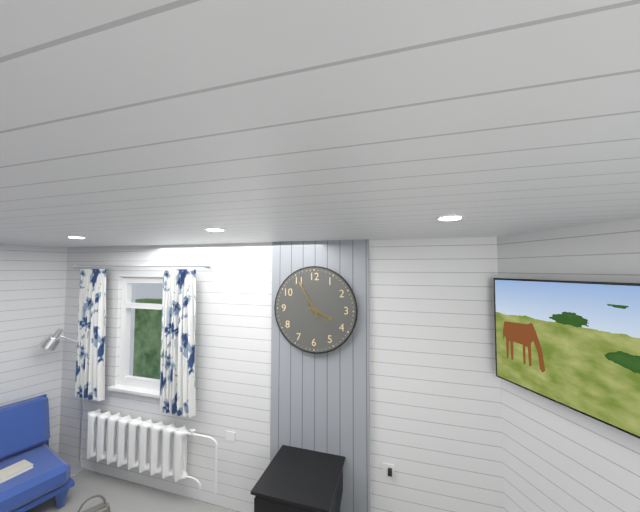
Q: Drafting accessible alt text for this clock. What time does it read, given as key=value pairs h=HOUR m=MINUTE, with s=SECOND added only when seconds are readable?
h=3 m=55
